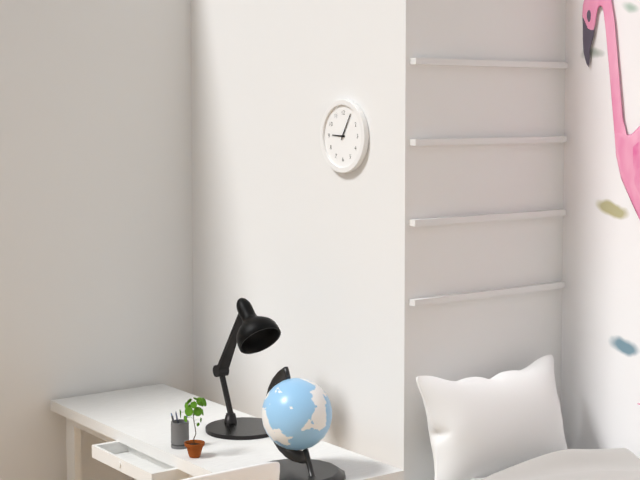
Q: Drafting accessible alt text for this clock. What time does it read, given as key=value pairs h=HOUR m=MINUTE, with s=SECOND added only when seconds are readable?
h=9 m=5
